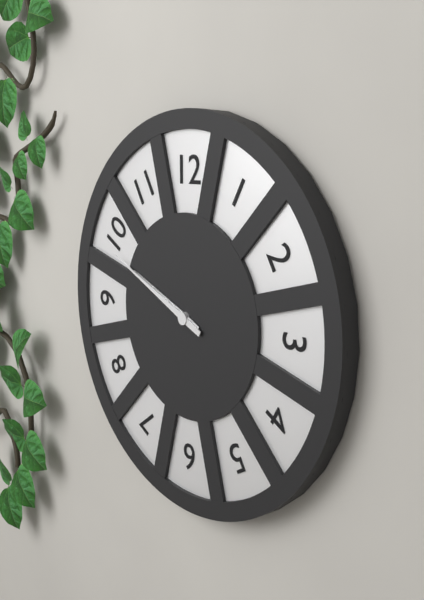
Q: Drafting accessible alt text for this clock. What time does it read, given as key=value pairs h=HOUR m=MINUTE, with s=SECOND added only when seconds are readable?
h=9 m=49
